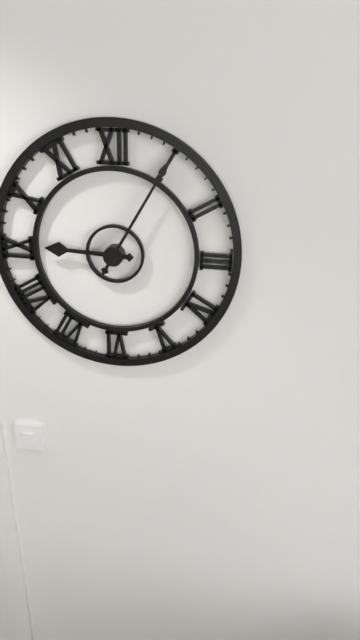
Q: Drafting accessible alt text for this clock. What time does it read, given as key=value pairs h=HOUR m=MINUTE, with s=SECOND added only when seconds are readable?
h=9 m=5
